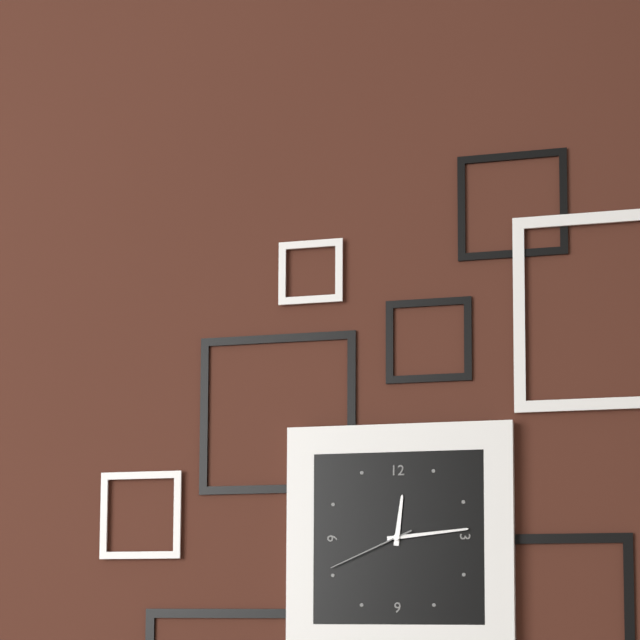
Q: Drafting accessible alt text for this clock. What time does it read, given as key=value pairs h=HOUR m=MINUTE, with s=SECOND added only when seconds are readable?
h=12 m=14 s=41
